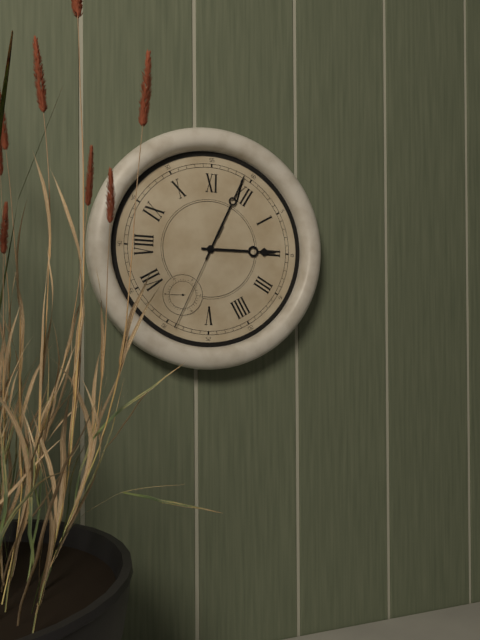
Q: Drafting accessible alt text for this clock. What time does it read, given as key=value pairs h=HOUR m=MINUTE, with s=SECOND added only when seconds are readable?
h=1 m=59 s=29
